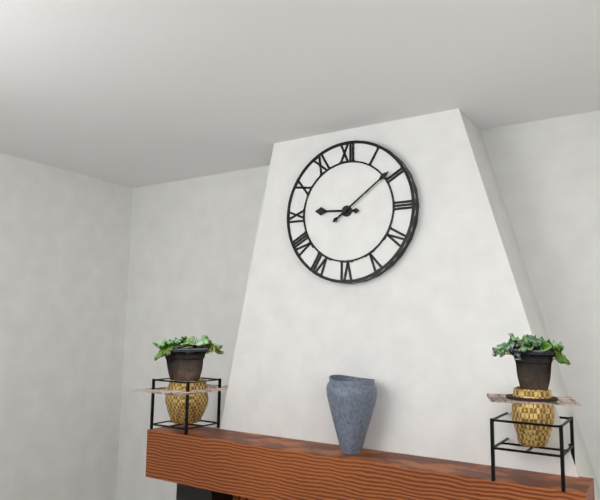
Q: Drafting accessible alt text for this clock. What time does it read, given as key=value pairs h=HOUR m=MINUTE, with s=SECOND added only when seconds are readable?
h=9 m=9
